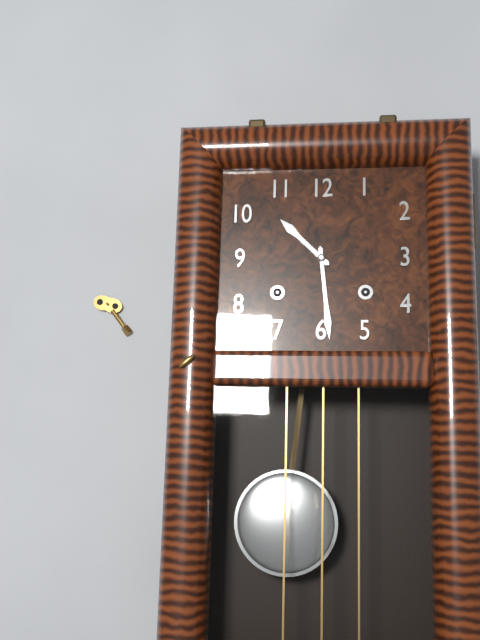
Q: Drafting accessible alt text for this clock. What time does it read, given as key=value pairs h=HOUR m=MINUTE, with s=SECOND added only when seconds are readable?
h=10 m=29
